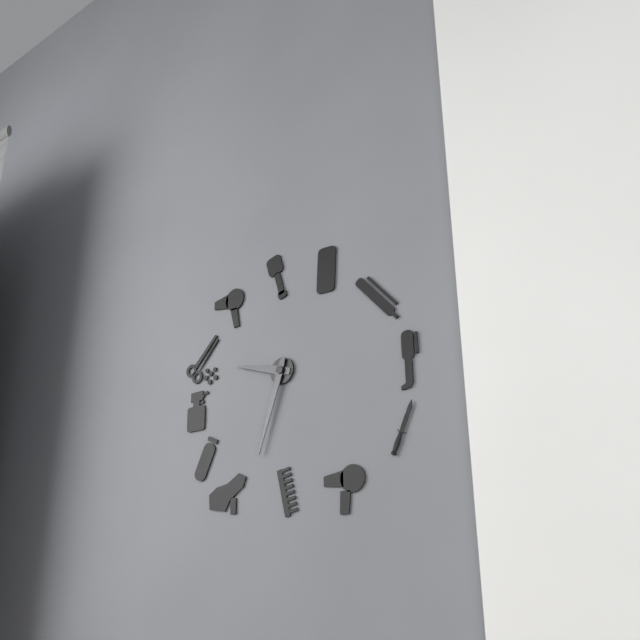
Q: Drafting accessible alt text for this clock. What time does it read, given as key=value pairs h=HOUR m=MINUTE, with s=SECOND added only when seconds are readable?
h=9 m=33
